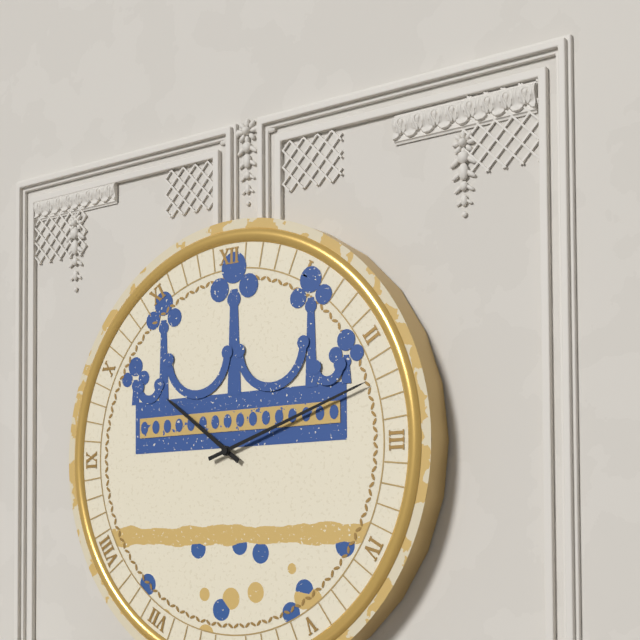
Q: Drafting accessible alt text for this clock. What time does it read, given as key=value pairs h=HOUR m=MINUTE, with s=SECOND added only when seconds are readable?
h=10 m=12
